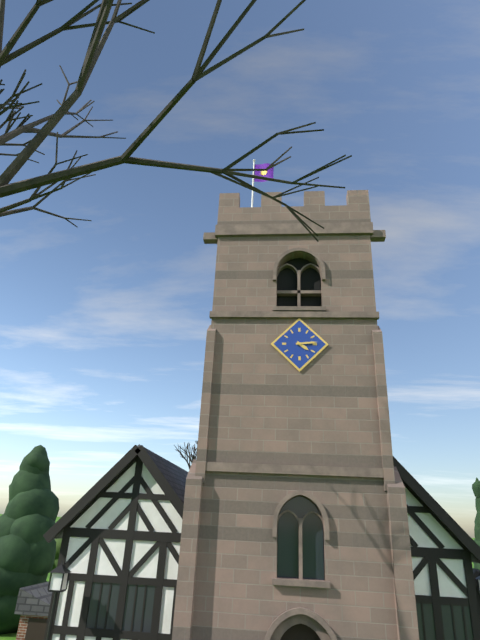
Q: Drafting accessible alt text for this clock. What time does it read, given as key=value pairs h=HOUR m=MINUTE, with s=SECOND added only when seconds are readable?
h=4 m=14
